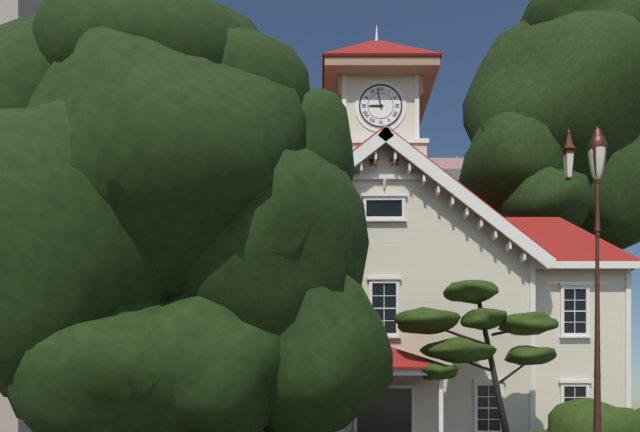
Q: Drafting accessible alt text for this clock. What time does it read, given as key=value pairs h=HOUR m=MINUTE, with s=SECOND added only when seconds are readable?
h=8 m=58
